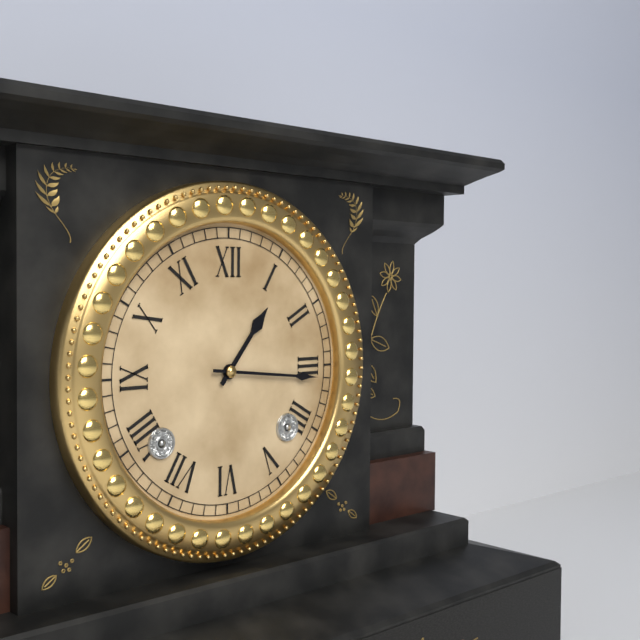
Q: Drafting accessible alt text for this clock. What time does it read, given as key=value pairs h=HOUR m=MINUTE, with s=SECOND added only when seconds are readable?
h=1 m=16
